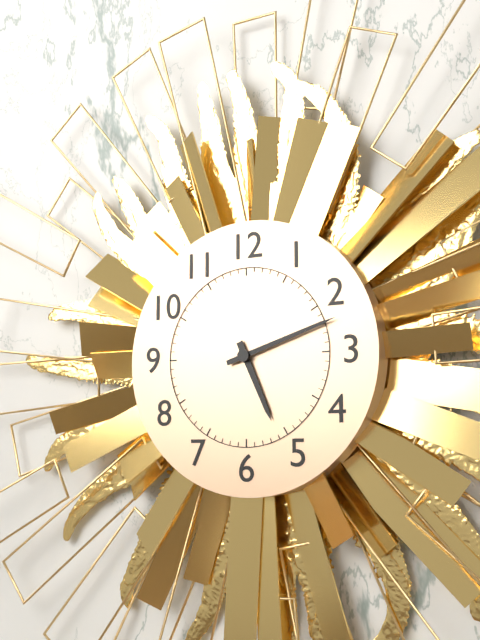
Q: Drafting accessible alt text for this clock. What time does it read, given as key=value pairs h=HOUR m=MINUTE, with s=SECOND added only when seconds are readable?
h=5 m=12
